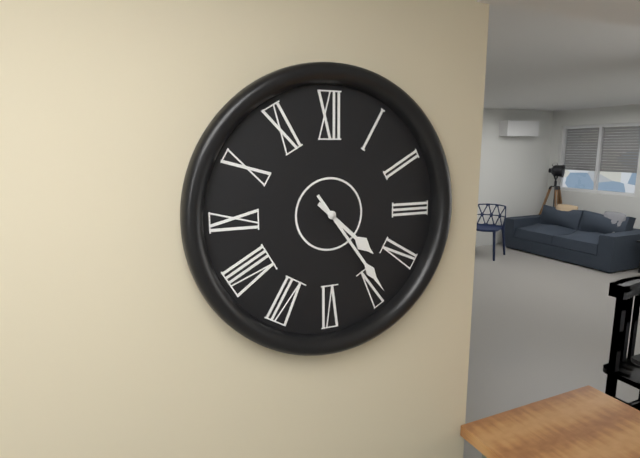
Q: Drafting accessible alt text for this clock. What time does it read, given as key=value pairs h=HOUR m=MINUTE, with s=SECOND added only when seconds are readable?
h=4 m=24
